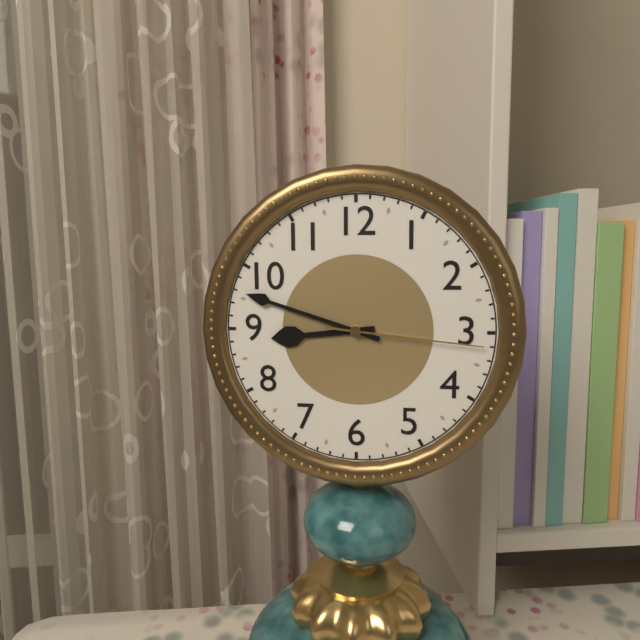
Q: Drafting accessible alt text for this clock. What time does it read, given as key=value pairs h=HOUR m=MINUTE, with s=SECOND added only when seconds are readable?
h=8 m=48 s=16
